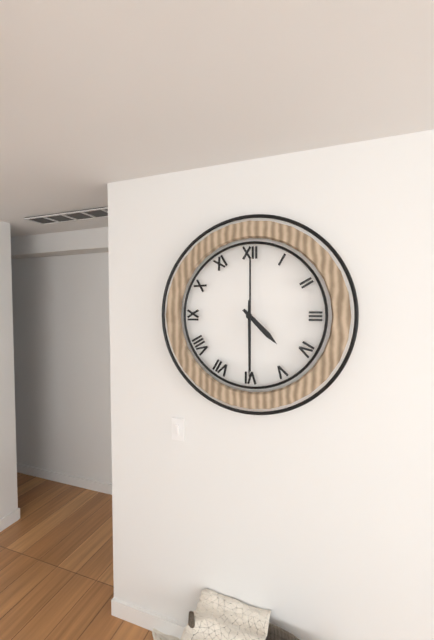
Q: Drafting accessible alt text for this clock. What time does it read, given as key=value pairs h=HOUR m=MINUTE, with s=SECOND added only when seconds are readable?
h=4 m=30
